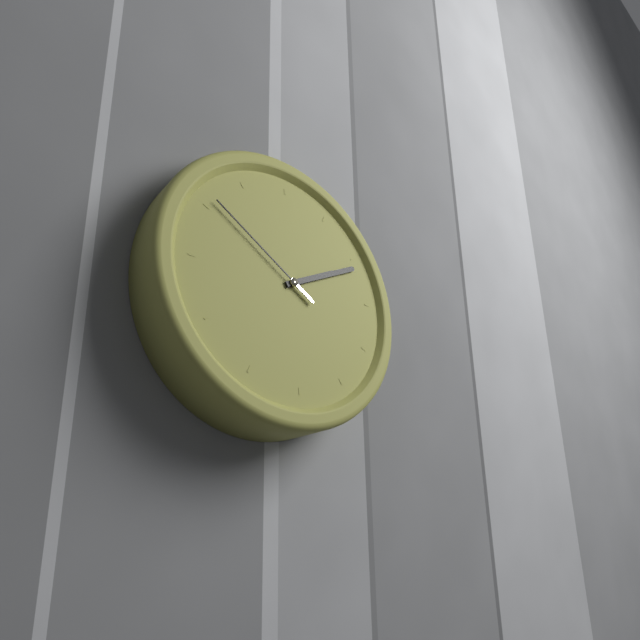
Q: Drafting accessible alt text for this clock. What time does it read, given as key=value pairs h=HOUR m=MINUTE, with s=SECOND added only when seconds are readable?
h=2 m=11 s=51
